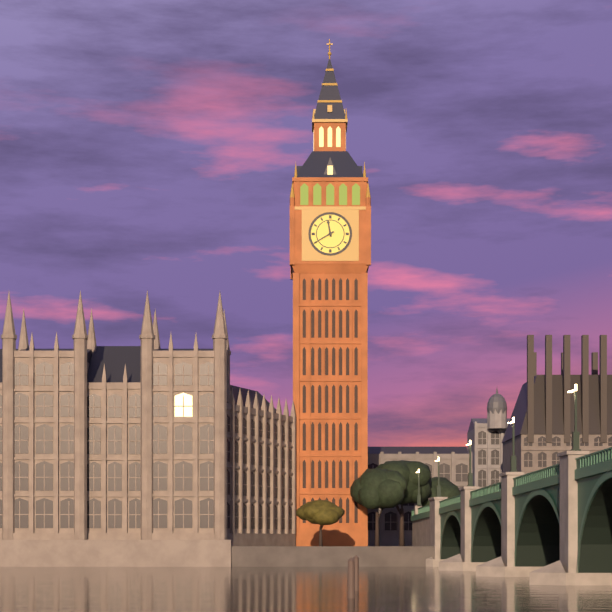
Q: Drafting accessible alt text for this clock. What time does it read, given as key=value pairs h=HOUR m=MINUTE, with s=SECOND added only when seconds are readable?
h=11 m=40
